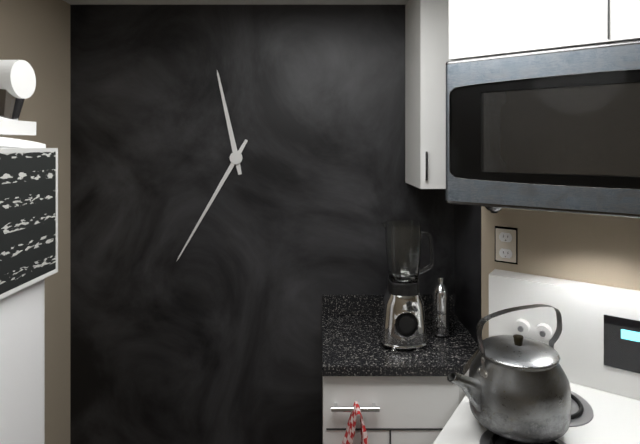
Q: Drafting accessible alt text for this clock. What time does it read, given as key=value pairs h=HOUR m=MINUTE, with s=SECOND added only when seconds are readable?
h=11 m=35
